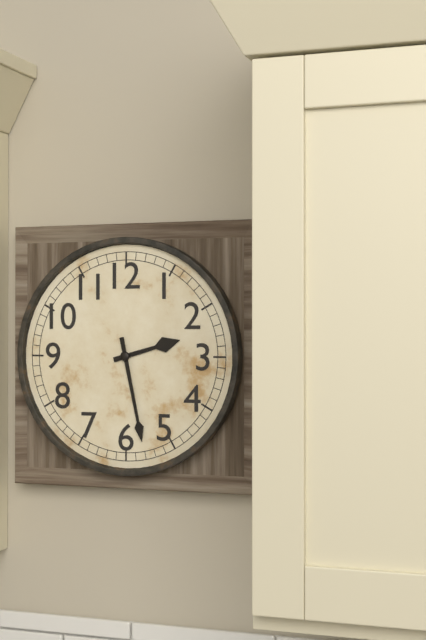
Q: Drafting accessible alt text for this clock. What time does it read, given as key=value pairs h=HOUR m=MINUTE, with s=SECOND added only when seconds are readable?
h=2 m=28
